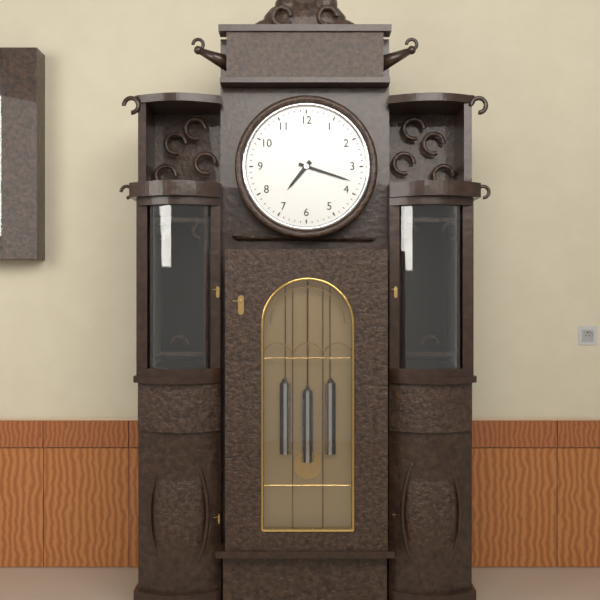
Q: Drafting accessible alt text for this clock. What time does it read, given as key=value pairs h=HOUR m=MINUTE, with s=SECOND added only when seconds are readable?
h=7 m=18
